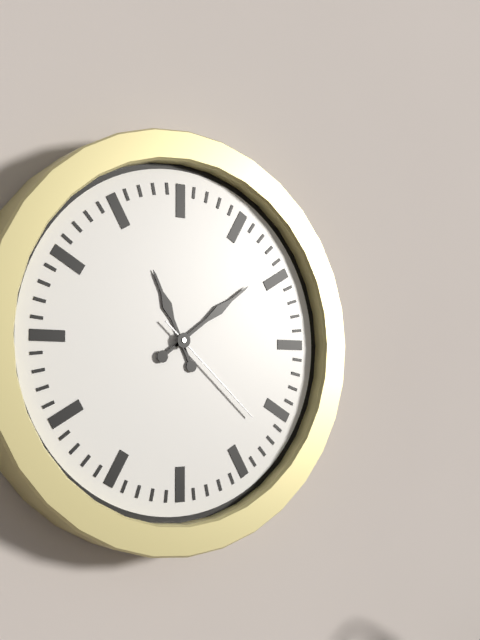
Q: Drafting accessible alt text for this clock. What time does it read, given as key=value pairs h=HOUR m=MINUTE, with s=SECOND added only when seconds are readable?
h=11 m=9 s=22
